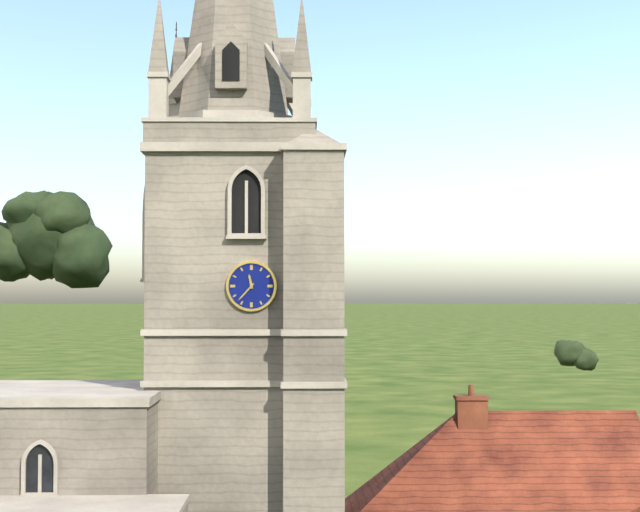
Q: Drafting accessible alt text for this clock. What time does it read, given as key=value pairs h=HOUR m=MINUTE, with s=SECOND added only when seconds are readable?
h=11 m=37
